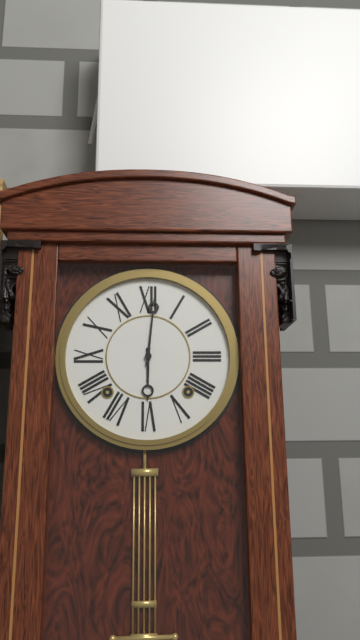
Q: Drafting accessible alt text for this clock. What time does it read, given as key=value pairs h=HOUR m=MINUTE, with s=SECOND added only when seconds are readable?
h=6 m=1
